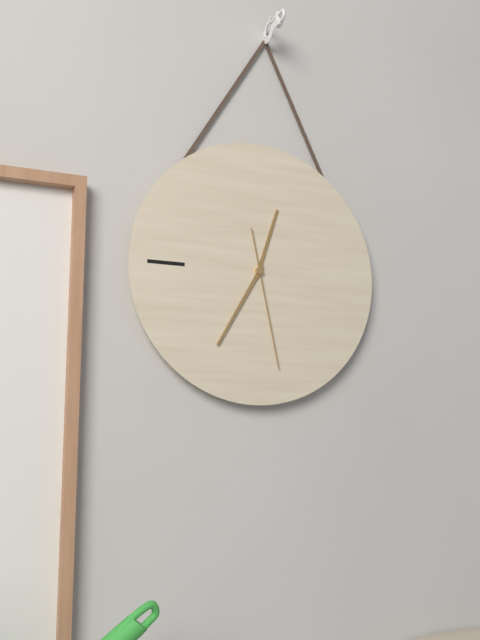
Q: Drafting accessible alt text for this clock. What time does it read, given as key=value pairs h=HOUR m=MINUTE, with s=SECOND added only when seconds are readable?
h=12 m=35 s=28
